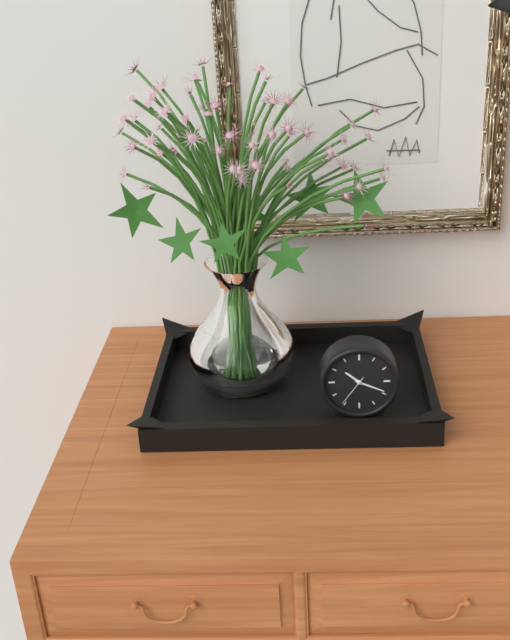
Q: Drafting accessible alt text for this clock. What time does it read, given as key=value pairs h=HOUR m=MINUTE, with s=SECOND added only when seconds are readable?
h=10 m=19
